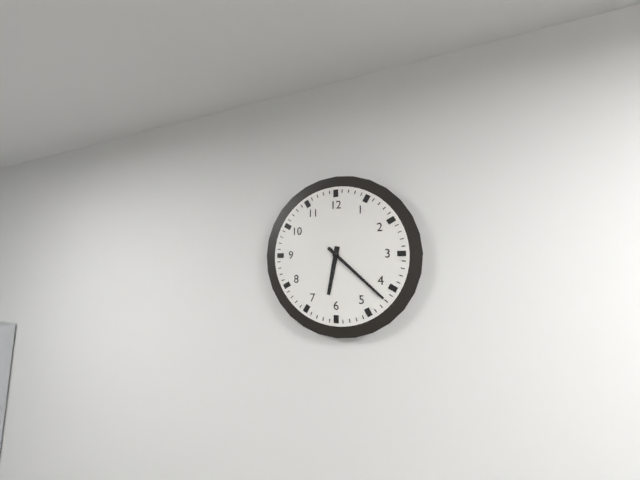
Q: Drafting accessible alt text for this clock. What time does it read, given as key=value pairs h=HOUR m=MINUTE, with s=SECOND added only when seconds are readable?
h=6 m=22
